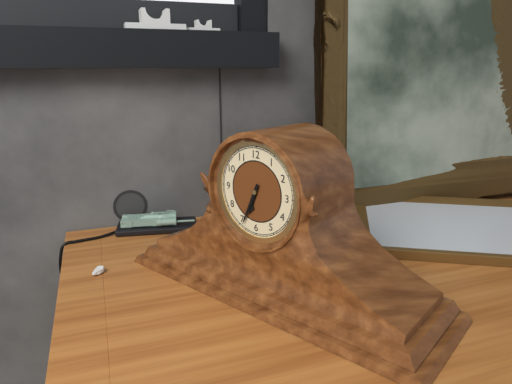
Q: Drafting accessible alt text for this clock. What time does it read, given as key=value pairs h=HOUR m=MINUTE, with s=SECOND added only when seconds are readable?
h=6 m=34
